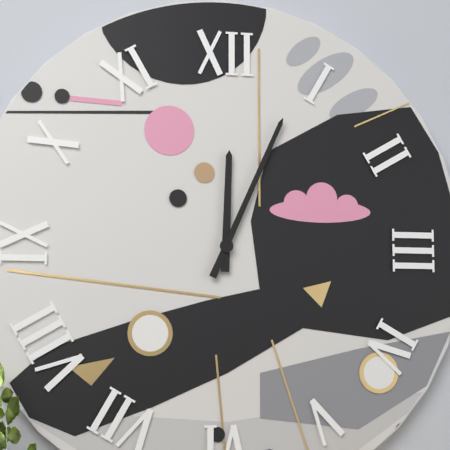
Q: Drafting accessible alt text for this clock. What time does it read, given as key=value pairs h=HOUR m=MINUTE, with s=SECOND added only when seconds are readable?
h=12 m=4
